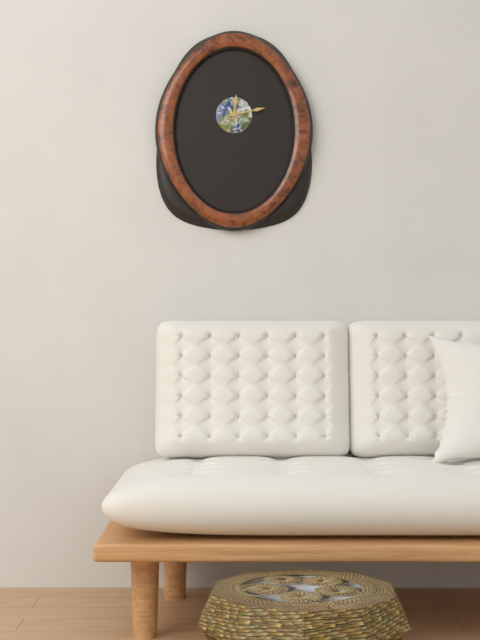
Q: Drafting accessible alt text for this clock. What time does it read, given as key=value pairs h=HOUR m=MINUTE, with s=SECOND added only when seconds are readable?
h=12 m=13
